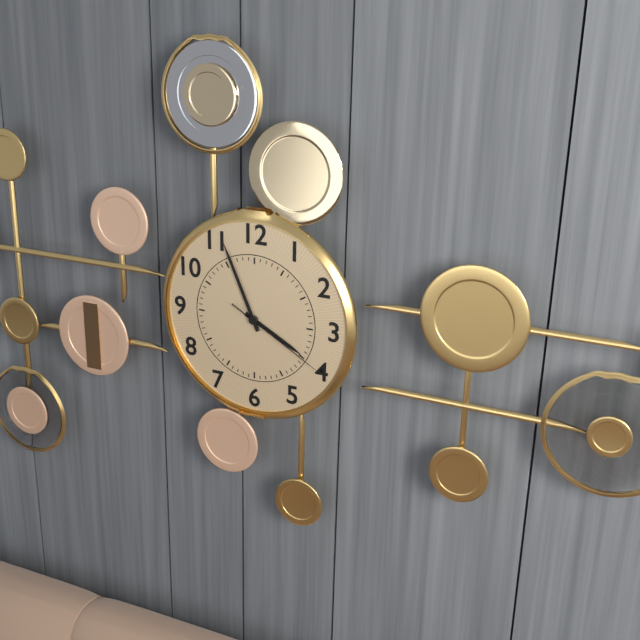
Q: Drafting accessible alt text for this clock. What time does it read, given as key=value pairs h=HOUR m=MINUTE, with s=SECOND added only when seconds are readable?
h=3 m=56 s=20
